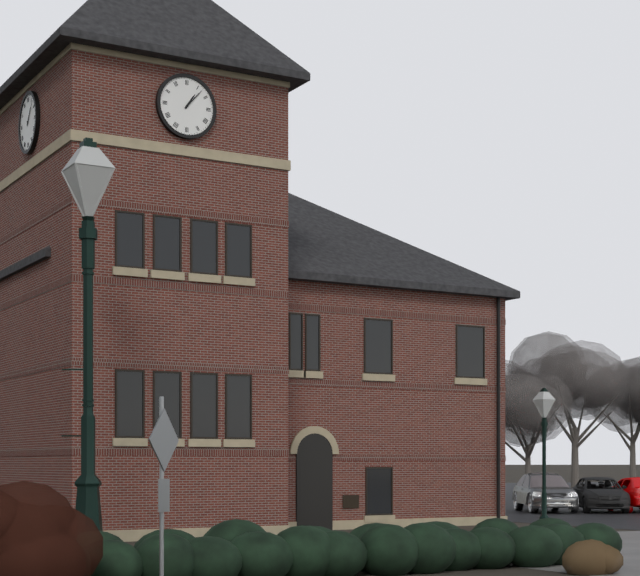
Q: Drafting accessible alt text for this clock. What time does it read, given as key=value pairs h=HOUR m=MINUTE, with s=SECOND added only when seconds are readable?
h=1 m=7
